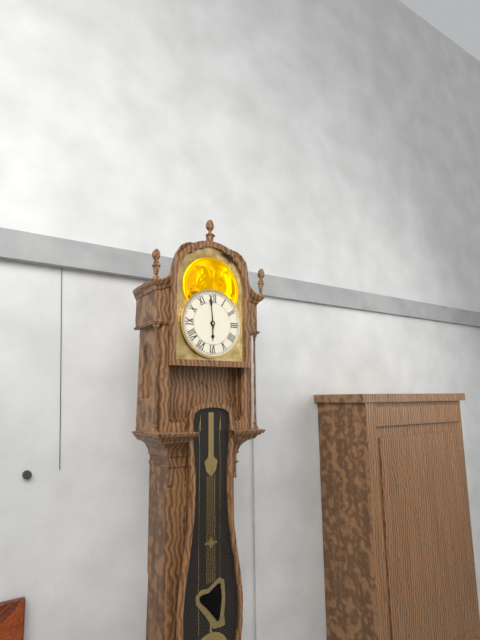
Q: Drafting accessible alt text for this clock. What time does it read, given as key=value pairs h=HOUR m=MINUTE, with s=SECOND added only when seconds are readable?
h=5 m=59
